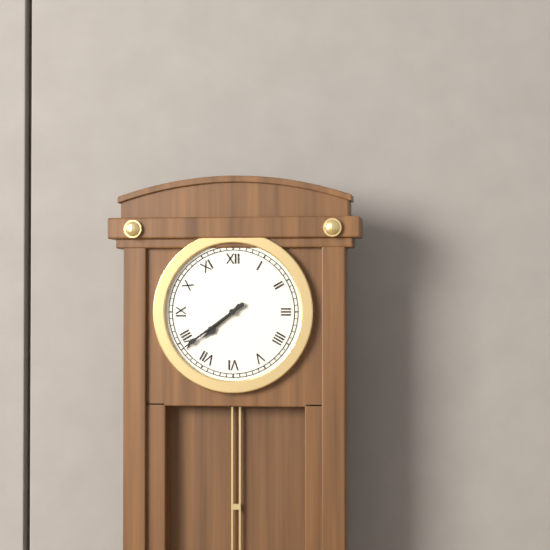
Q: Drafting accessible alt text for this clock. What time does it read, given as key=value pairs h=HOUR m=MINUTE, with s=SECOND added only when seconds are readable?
h=7 m=39
